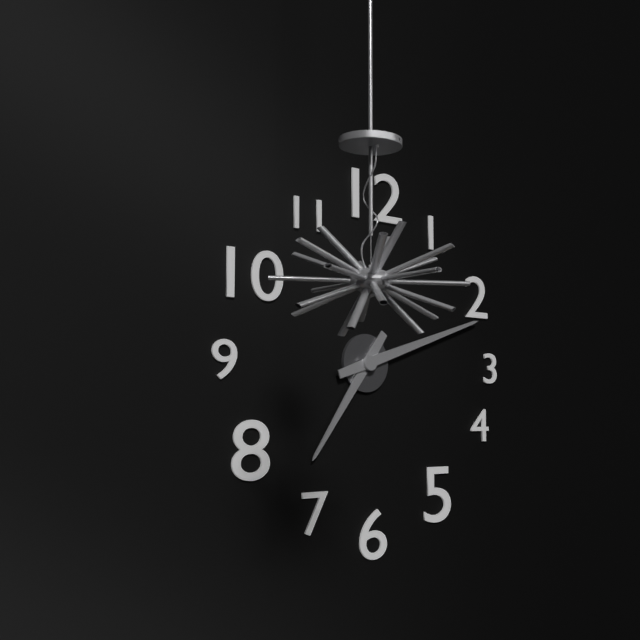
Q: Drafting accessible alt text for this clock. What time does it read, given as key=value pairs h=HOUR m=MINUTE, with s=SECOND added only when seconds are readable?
h=7 m=12
